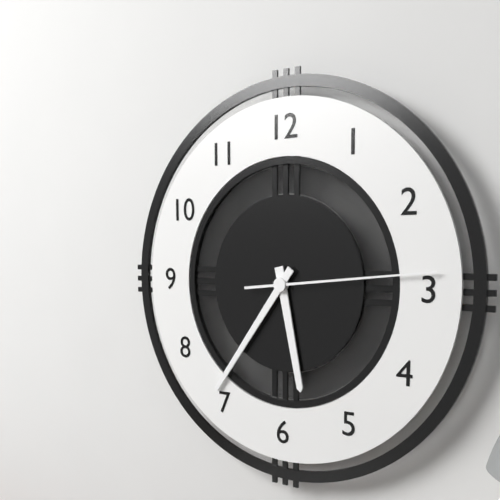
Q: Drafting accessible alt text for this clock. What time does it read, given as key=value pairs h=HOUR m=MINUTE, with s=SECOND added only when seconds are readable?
h=5 m=36 s=14
